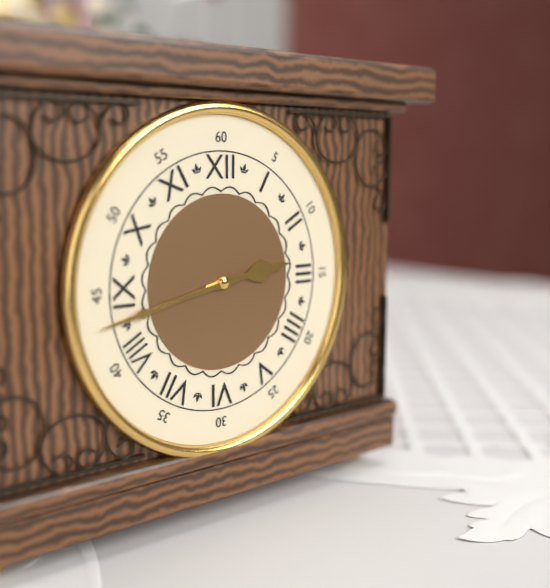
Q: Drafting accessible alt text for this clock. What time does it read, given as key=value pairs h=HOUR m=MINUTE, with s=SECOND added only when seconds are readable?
h=2 m=43
